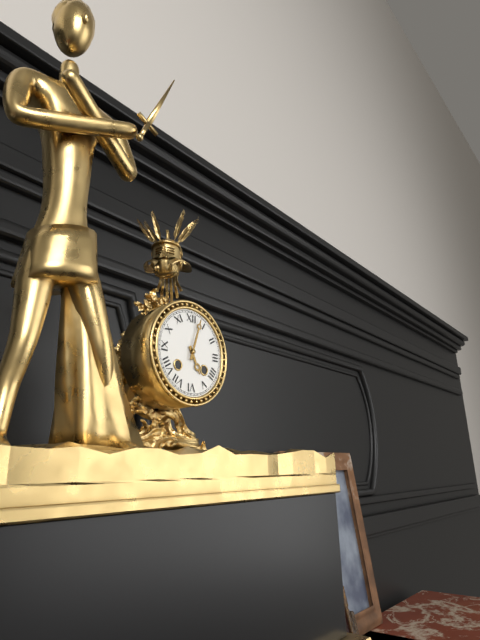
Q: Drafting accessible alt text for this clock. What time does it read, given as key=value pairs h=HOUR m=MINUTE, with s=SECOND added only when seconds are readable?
h=5 m=3
